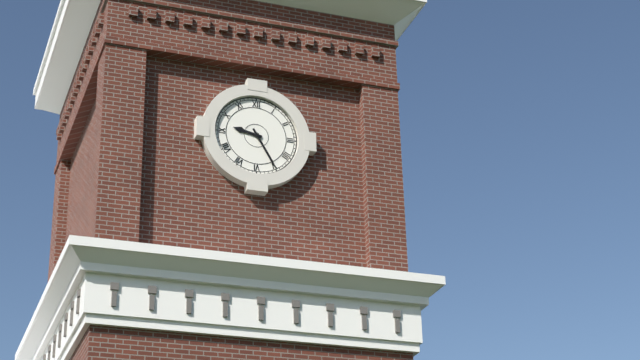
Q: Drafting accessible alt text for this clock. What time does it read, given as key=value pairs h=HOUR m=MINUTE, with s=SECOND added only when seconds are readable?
h=9 m=25
